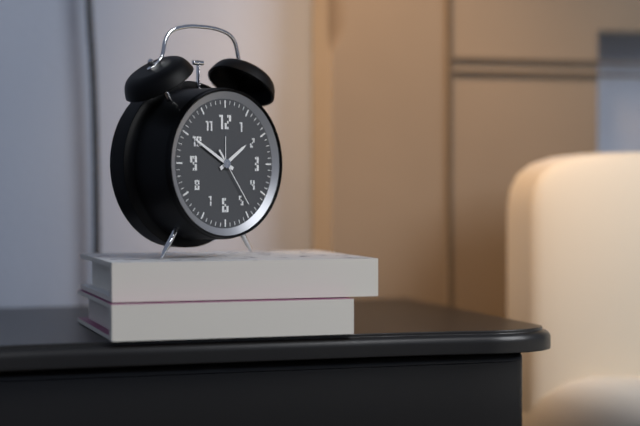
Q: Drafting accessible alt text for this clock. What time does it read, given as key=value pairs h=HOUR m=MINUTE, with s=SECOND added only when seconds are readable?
h=1 m=50 s=24
